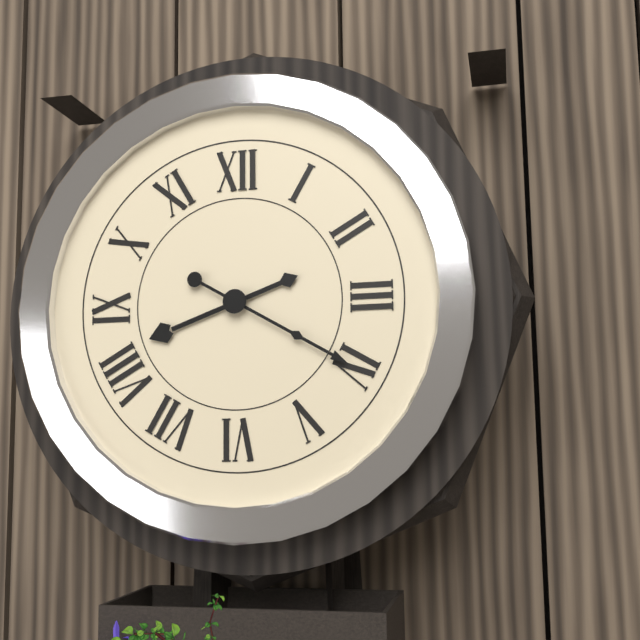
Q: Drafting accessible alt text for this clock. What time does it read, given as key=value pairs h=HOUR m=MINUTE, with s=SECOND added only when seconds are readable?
h=8 m=20
